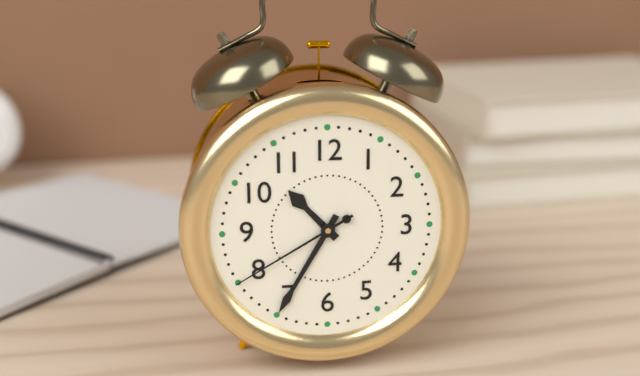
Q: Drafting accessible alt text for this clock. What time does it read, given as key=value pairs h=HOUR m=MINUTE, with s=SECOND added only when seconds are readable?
h=10 m=35 s=40
